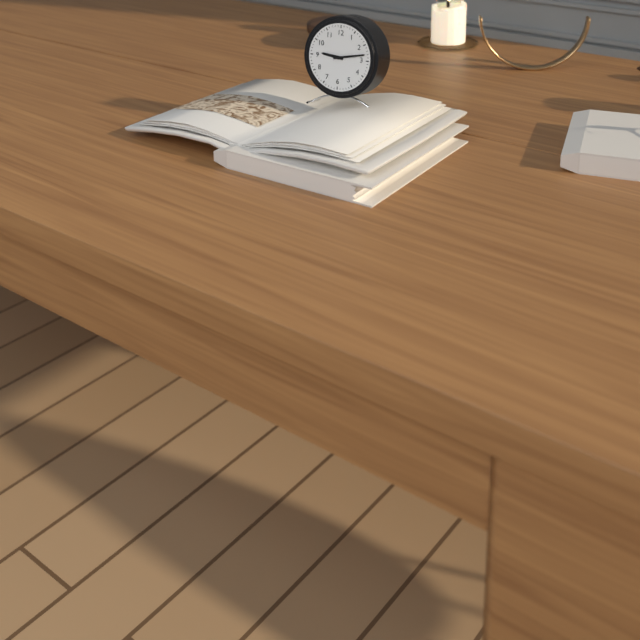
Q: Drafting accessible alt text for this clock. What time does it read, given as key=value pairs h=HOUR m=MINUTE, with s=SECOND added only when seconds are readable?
h=9 m=13
